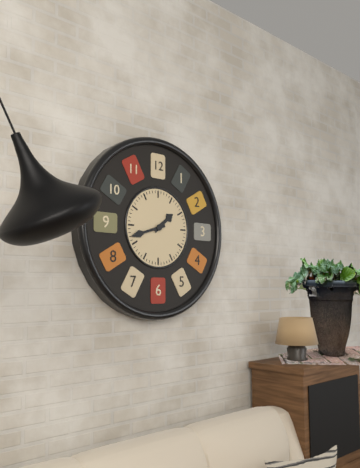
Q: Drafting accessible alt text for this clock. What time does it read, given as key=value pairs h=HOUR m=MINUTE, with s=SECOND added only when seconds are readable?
h=1 m=42
